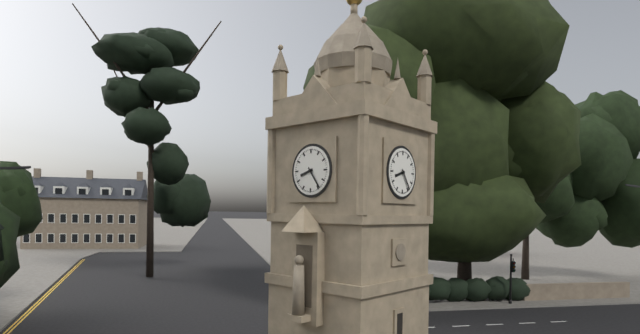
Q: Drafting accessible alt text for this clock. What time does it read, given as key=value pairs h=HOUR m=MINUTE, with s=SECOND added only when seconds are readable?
h=8 m=24
